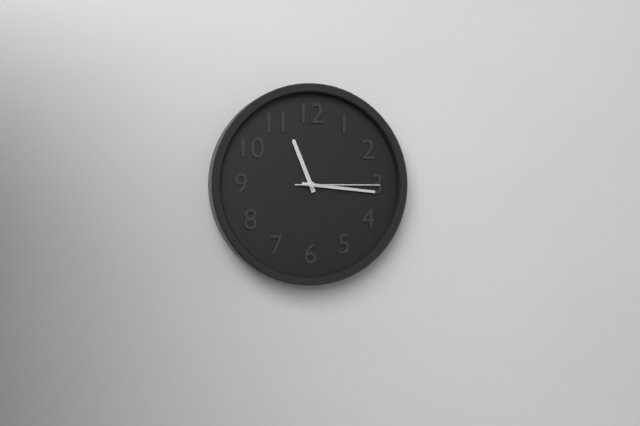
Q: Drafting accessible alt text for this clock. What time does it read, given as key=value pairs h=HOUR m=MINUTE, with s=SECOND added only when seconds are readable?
h=11 m=16 s=15
